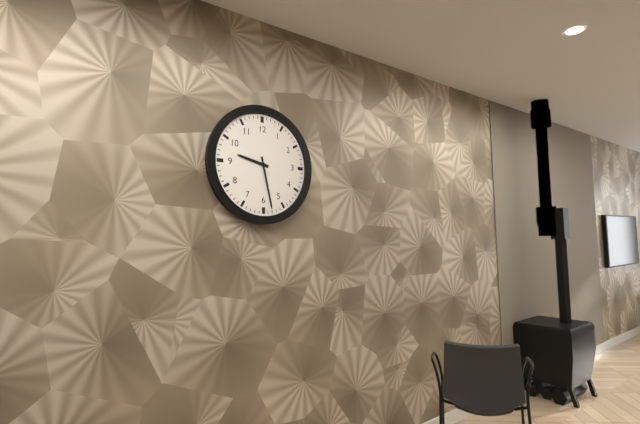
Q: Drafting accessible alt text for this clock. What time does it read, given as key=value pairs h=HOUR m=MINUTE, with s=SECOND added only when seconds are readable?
h=9 m=28
